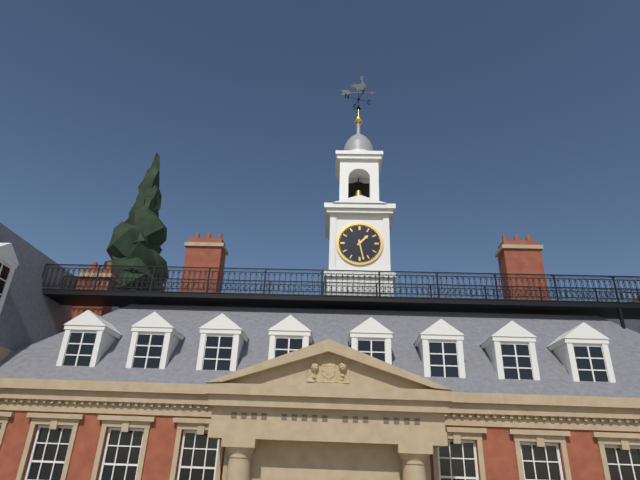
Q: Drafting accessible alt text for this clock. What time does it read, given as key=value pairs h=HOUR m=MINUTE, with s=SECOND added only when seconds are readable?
h=1 m=28
